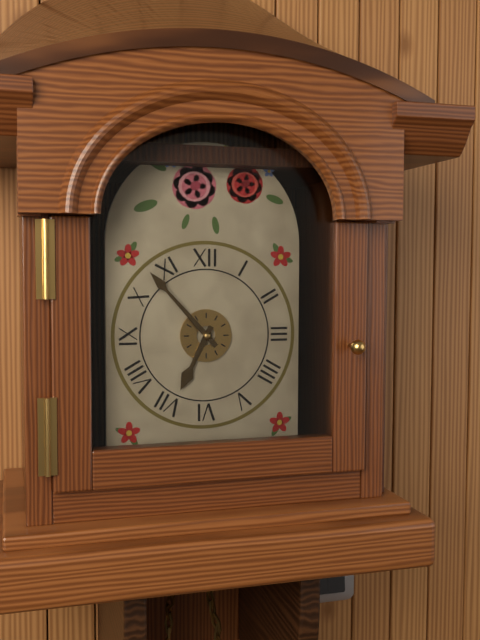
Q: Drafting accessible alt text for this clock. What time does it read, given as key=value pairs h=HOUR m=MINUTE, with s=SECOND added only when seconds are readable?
h=6 m=53
